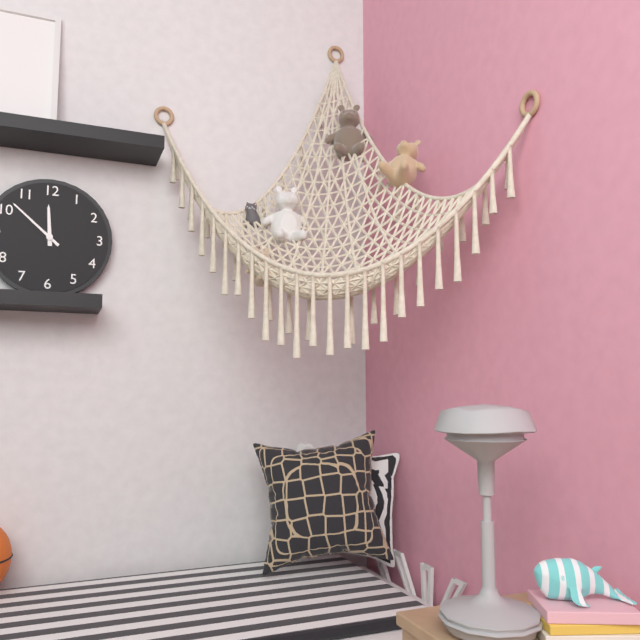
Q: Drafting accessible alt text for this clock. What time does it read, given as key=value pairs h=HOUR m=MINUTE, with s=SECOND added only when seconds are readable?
h=11 m=52
